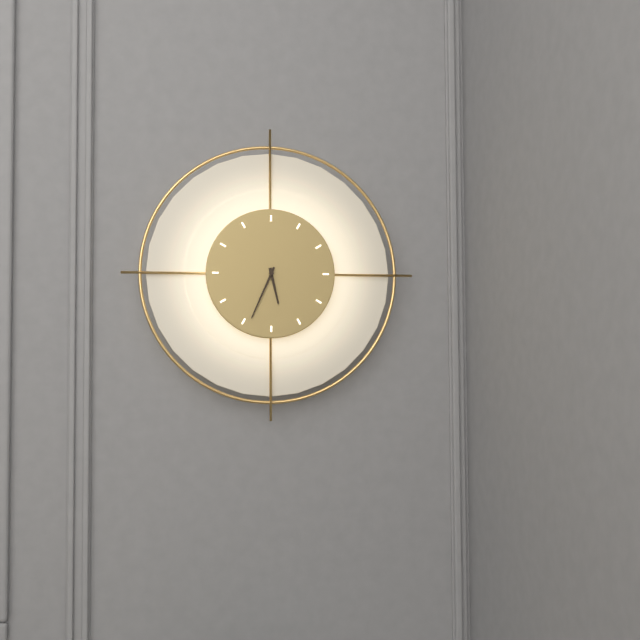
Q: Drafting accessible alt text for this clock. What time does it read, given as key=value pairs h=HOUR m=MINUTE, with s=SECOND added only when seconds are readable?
h=5 m=34
